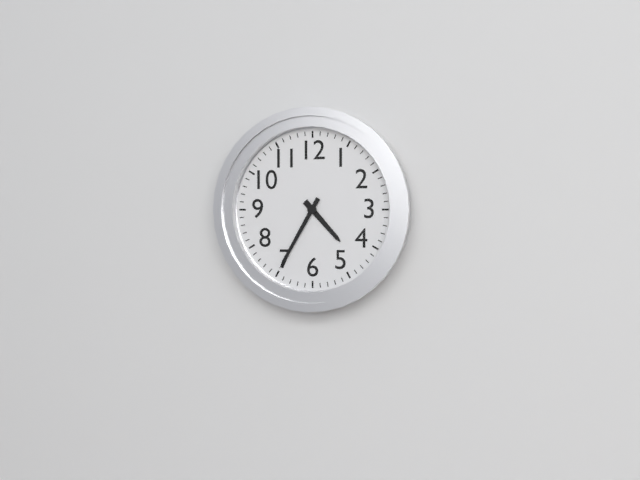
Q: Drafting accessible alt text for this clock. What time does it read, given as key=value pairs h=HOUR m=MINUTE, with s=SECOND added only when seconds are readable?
h=4 m=35
